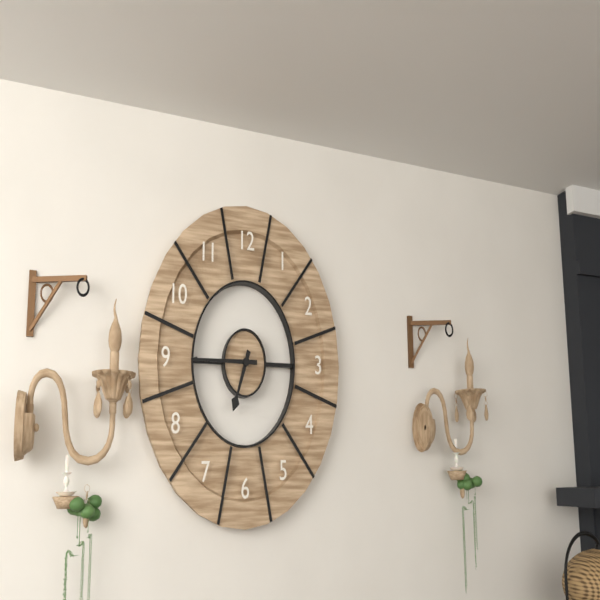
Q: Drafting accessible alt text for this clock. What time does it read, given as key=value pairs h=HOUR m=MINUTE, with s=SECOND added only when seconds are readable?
h=6 m=45
